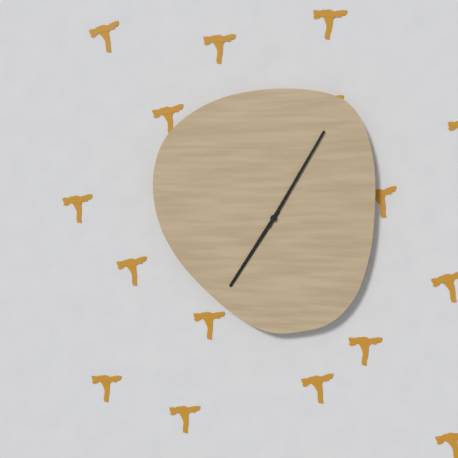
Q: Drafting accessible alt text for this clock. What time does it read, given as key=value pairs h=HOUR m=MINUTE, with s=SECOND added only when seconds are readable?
h=7 m=5
